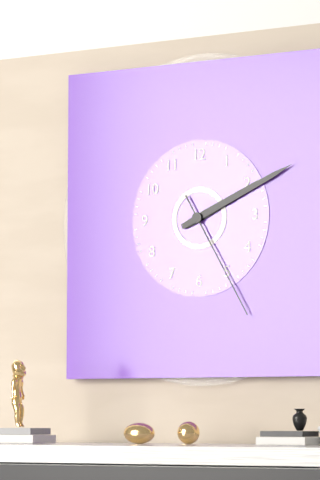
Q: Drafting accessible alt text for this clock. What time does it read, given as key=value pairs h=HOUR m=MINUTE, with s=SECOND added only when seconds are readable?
h=2 m=11 s=25
